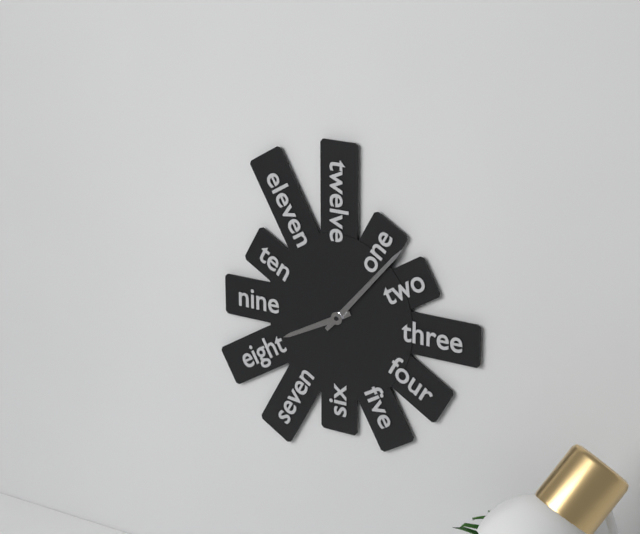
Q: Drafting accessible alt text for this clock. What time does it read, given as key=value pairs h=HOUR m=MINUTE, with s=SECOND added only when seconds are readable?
h=8 m=7
